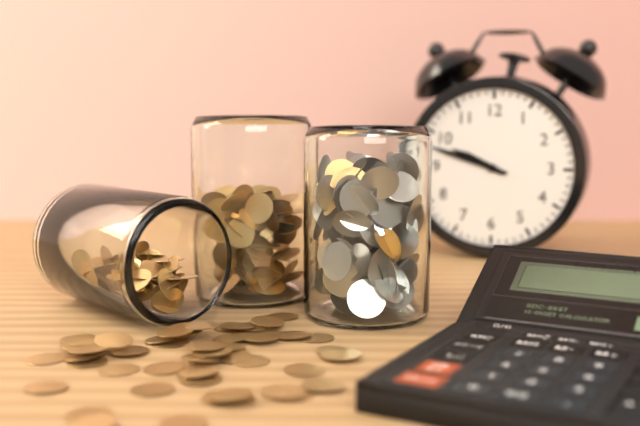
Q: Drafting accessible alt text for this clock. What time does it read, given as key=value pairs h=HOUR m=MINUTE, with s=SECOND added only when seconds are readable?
h=9 m=48
